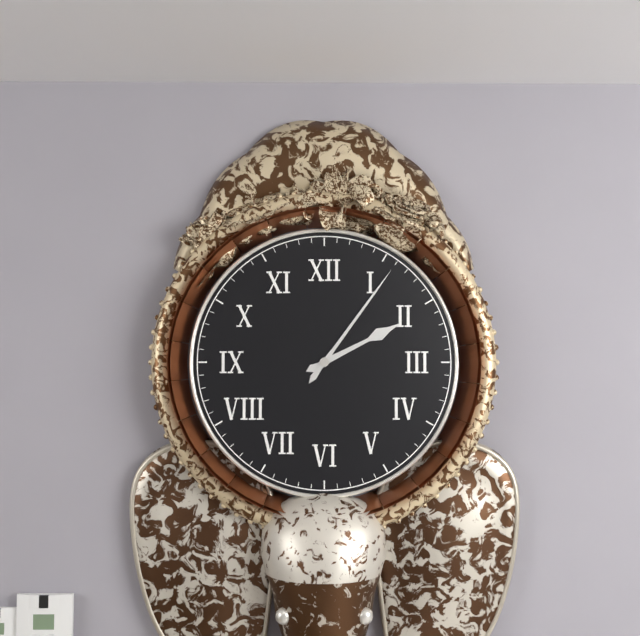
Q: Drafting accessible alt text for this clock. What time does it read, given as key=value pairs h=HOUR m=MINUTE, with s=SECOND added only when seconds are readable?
h=2 m=6
